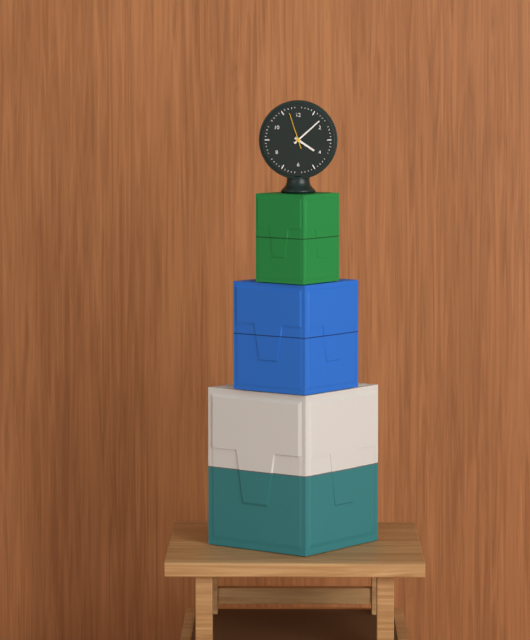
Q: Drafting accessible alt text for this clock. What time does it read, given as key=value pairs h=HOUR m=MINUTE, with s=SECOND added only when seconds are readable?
h=4 m=8
